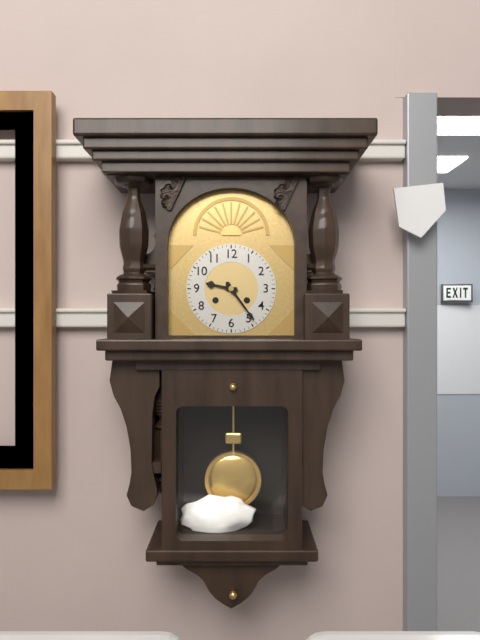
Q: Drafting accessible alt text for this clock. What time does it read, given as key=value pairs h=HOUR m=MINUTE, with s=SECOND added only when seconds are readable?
h=9 m=24
